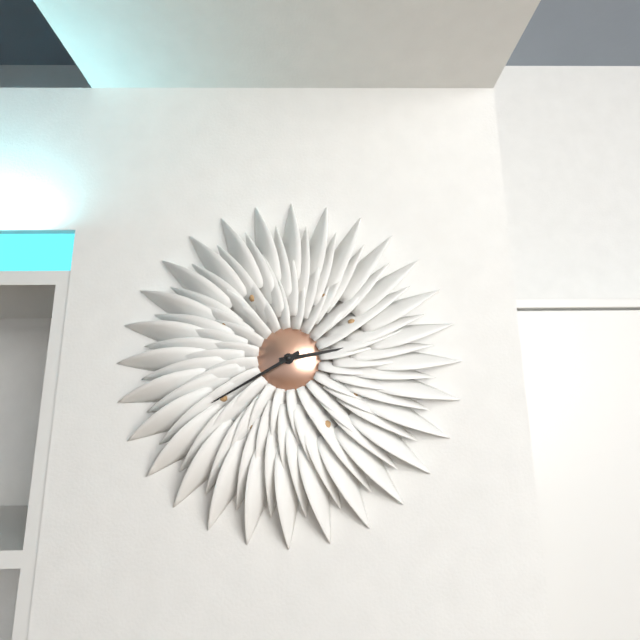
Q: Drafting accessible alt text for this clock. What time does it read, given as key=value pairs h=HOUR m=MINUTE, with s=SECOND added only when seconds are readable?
h=2 m=40
